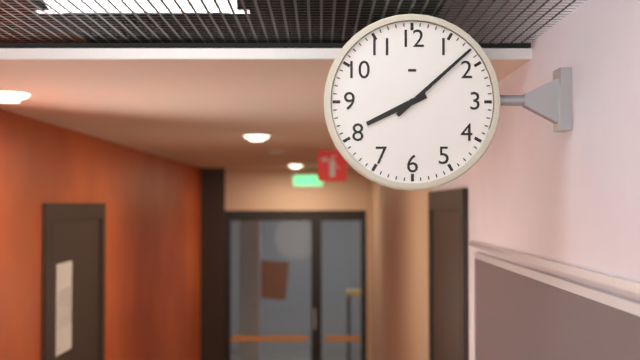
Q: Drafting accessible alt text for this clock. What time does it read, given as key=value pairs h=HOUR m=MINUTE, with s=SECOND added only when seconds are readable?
h=8 m=8
